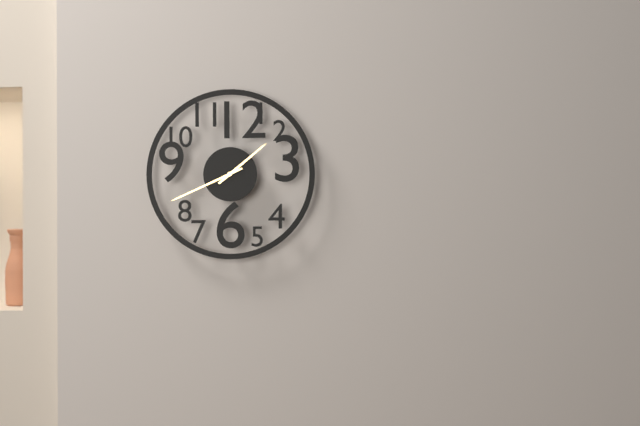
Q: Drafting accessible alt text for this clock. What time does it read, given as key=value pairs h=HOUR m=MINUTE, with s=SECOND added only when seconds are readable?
h=1 m=41
